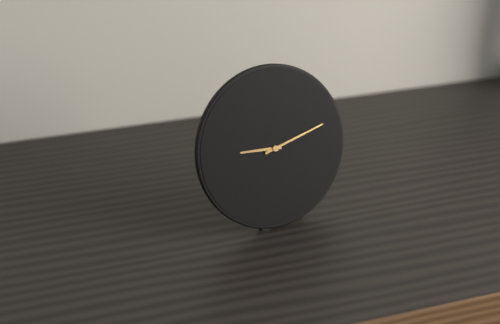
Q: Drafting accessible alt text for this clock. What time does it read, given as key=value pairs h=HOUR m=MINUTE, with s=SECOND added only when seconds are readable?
h=9 m=13
